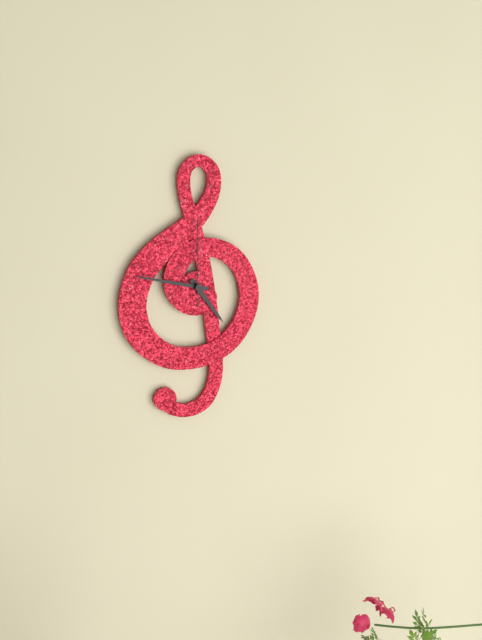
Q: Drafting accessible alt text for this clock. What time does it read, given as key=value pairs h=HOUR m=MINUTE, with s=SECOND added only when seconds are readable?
h=4 m=47 s=0
